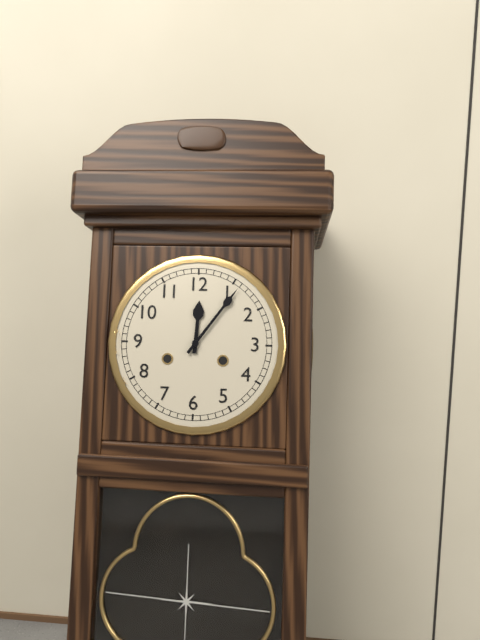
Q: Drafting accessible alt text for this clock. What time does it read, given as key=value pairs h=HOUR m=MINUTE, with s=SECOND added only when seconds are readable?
h=12 m=6
